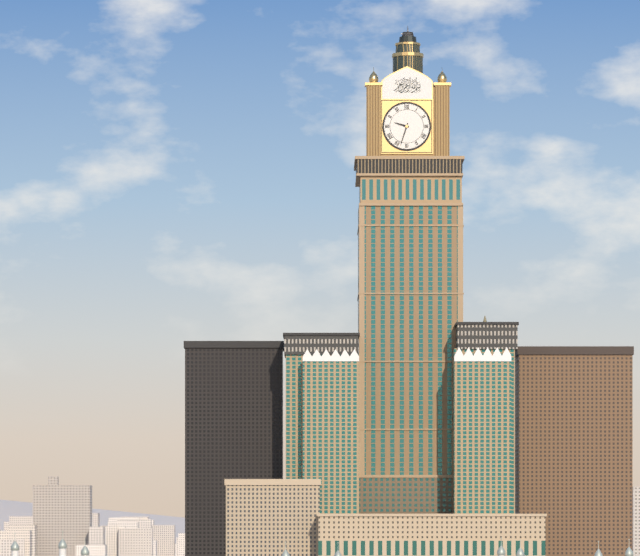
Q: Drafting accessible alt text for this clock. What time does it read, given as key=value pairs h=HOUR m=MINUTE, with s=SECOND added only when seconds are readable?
h=9 m=33
